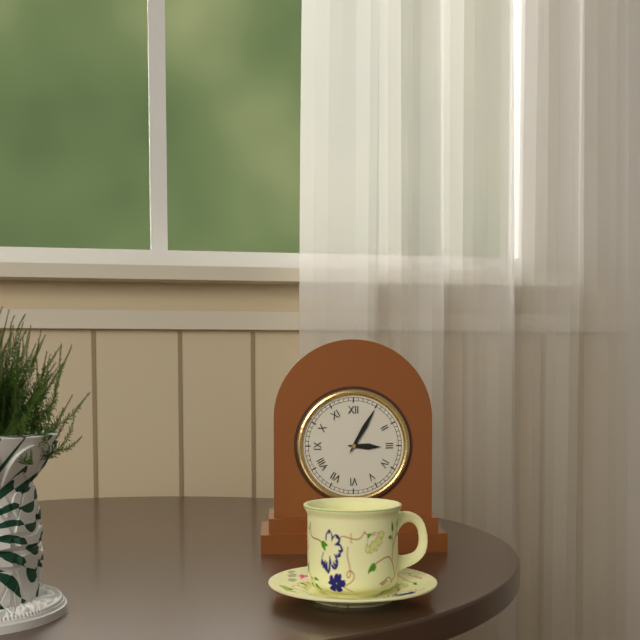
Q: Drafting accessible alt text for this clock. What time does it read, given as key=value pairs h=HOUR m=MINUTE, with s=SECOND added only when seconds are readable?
h=3 m=5
